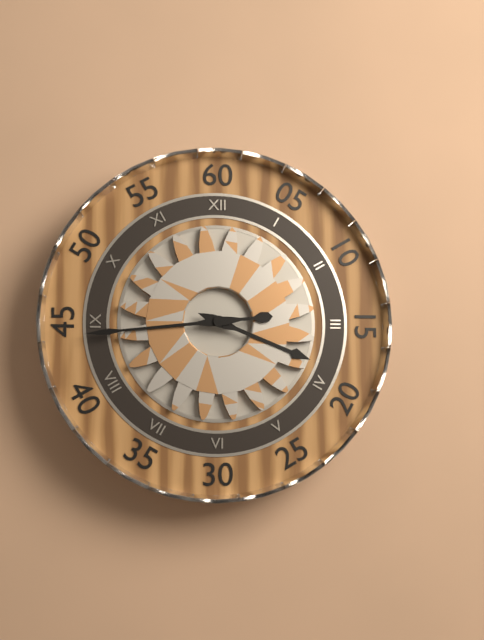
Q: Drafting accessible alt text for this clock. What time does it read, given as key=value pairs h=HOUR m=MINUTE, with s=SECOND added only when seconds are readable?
h=3 m=44
